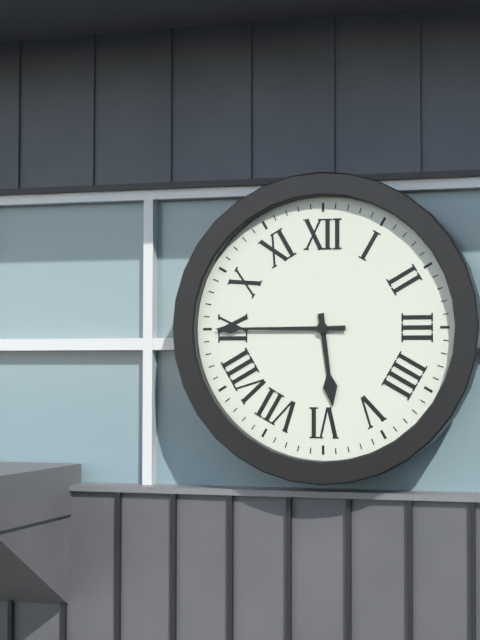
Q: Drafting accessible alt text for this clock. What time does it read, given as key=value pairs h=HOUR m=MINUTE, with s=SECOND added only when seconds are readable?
h=5 m=45
